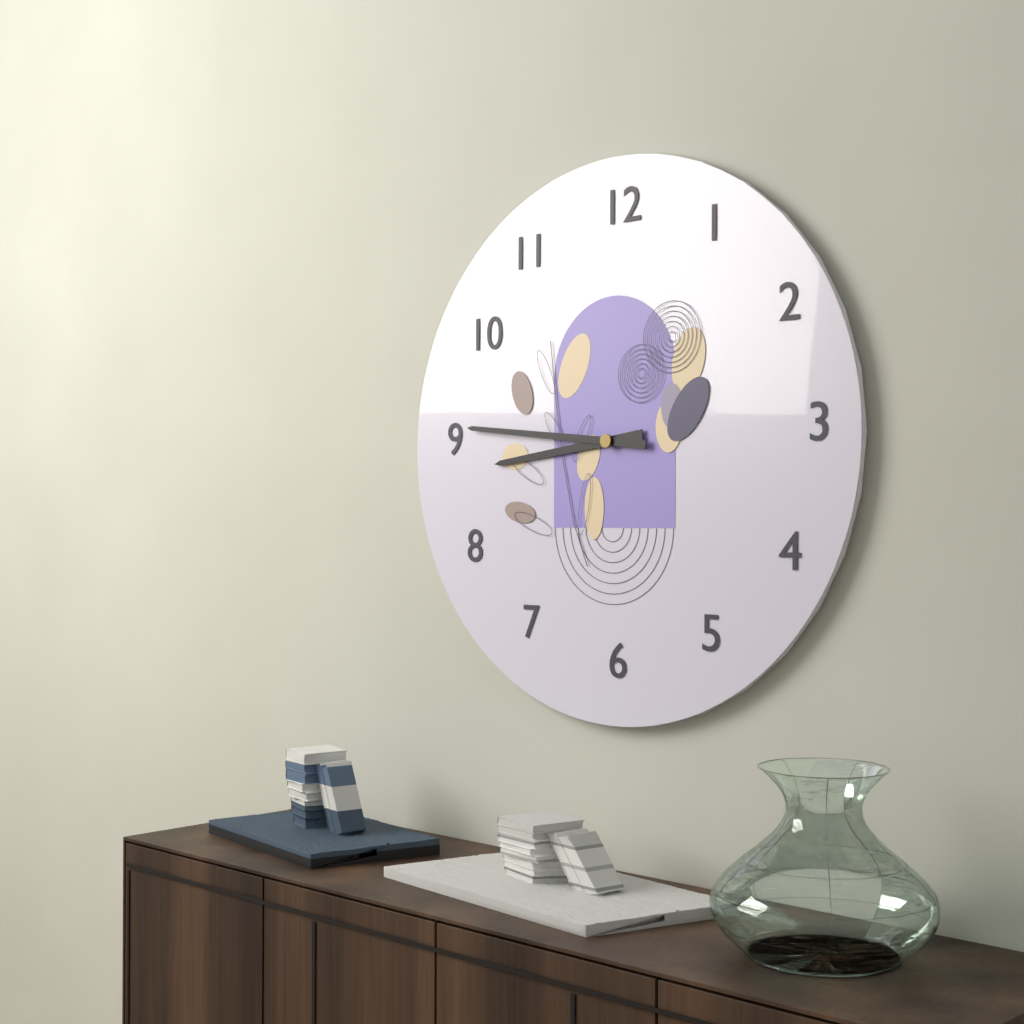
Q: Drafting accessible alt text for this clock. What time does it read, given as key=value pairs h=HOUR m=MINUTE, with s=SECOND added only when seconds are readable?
h=8 m=46
